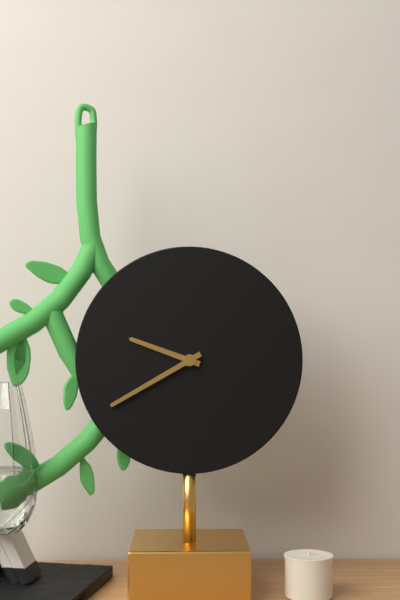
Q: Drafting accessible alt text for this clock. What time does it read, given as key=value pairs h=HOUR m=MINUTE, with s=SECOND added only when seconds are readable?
h=9 m=40
